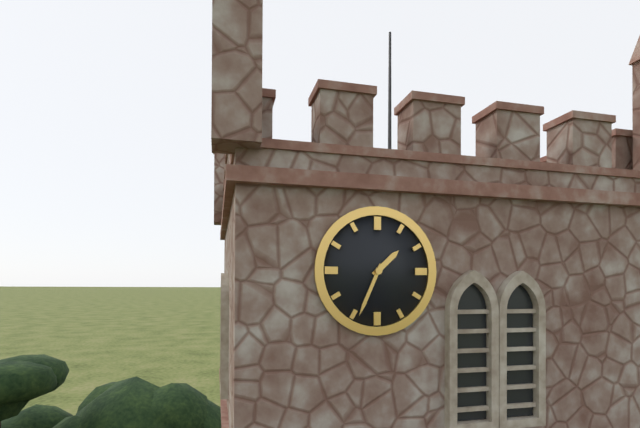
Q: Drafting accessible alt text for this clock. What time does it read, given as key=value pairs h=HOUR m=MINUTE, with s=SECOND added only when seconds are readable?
h=1 m=34
